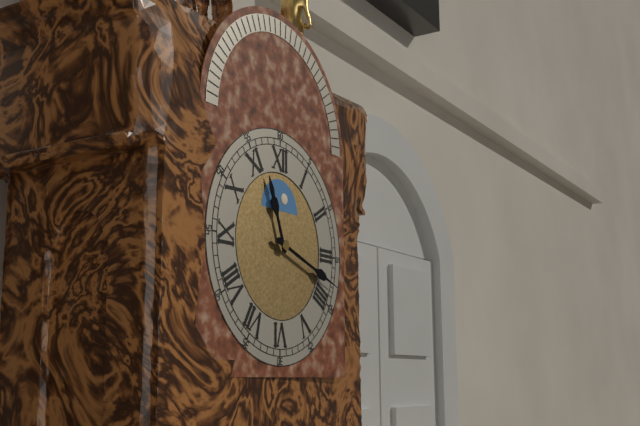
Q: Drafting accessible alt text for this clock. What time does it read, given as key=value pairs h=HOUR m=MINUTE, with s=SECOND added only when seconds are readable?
h=11 m=18
